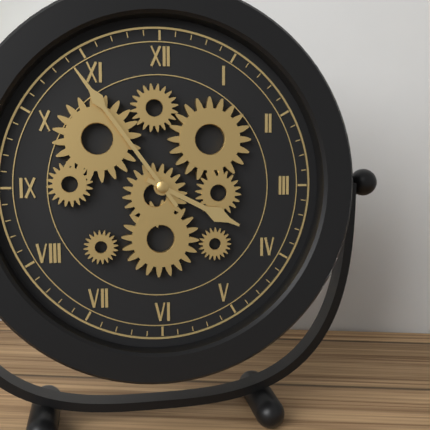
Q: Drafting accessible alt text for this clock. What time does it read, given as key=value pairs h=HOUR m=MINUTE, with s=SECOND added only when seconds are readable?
h=3 m=54
